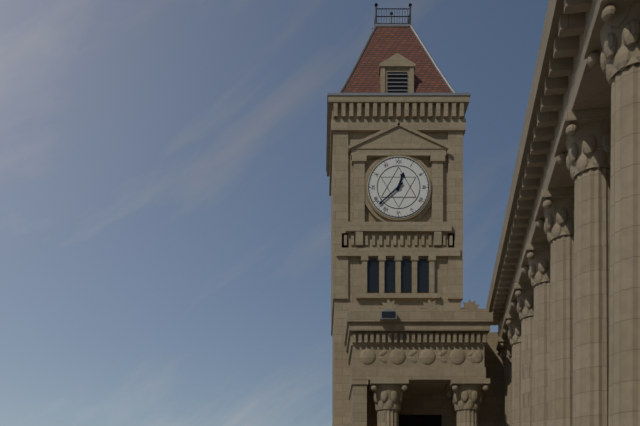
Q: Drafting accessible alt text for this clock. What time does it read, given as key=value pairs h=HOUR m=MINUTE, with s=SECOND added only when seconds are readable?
h=12 m=38
